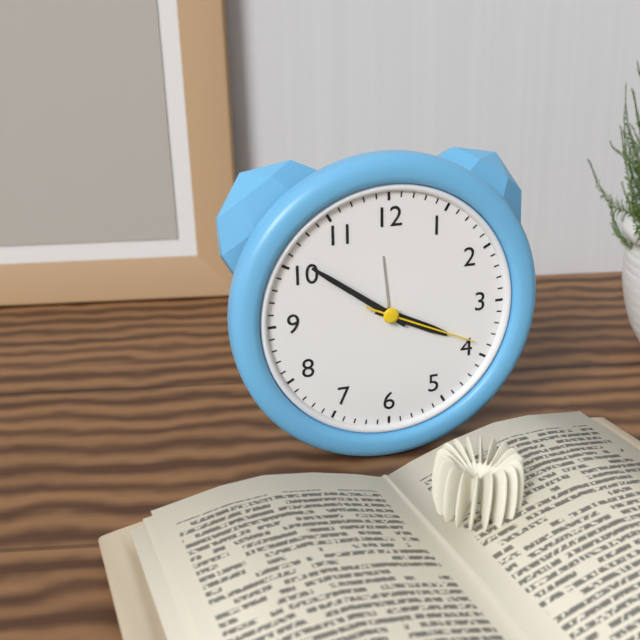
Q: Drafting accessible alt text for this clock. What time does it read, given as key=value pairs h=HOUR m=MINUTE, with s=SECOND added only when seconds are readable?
h=3 m=51 s=19
